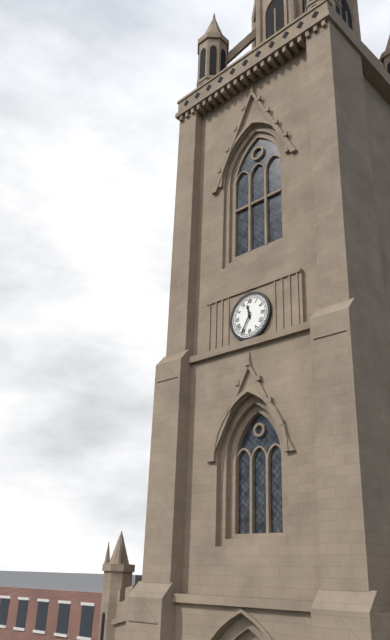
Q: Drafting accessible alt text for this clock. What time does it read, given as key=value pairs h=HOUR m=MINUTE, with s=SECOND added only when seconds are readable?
h=11 m=35
